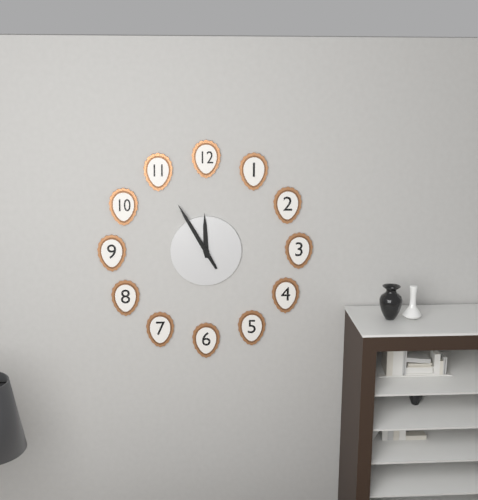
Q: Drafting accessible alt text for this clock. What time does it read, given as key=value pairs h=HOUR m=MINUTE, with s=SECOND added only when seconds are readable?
h=11 m=55
